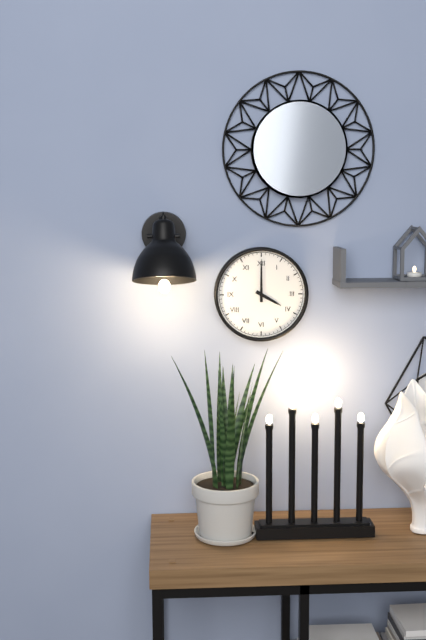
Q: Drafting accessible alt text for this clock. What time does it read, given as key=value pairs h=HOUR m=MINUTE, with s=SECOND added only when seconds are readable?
h=4 m=0
